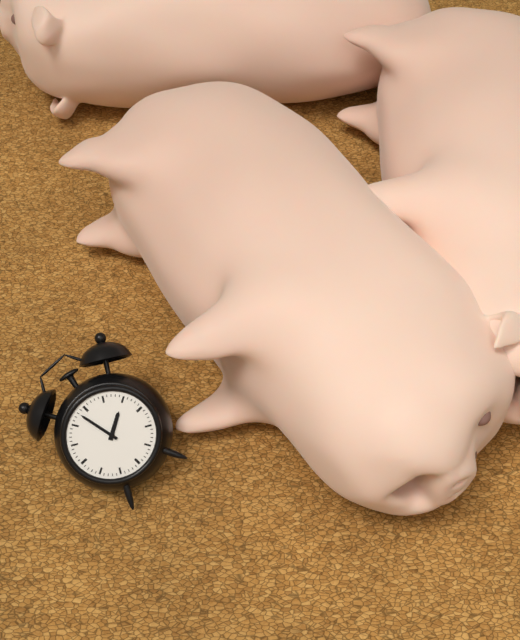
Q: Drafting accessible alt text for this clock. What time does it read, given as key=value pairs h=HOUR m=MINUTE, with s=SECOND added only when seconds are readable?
h=1 m=58
